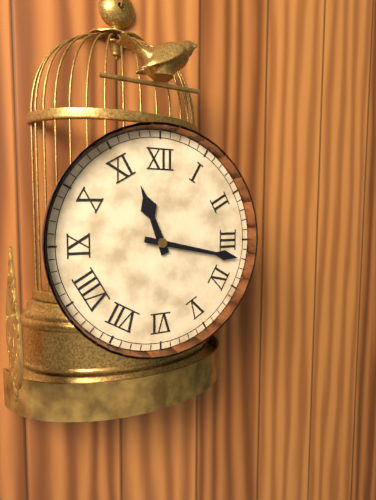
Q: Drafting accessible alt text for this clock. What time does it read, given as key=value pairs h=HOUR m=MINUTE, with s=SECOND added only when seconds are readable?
h=11 m=17
